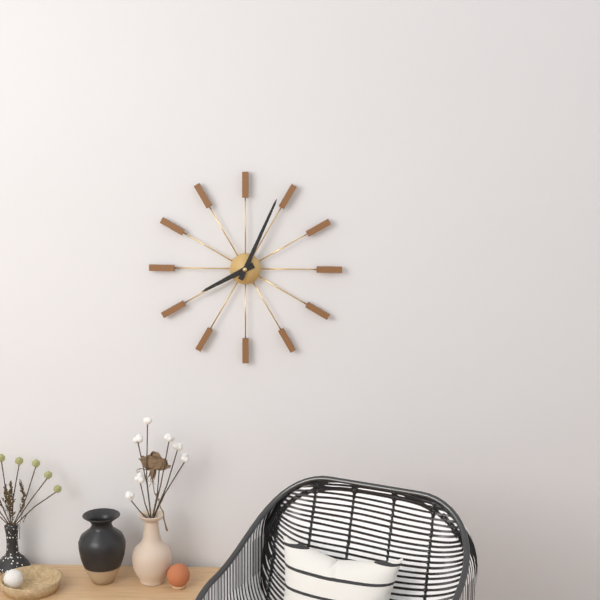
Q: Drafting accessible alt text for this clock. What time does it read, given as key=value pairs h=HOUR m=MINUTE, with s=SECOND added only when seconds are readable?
h=8 m=4
